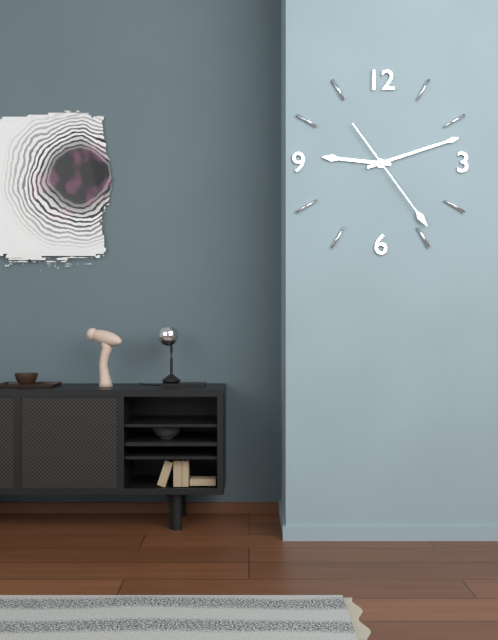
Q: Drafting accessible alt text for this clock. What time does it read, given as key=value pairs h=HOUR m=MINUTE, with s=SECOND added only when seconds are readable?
h=9 m=12 s=24
